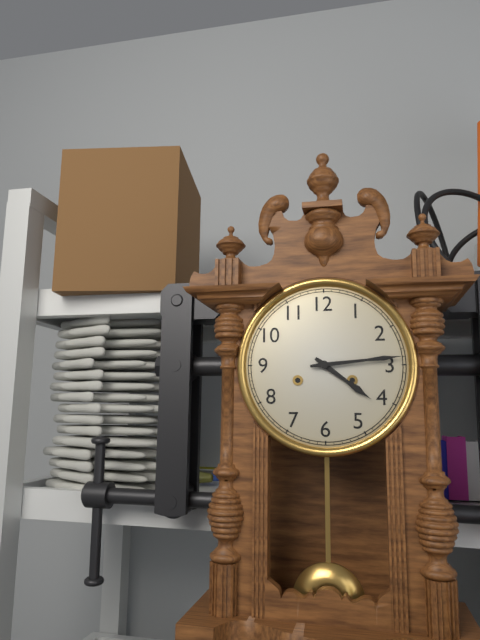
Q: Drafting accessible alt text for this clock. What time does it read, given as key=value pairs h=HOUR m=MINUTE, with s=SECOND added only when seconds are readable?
h=4 m=14
